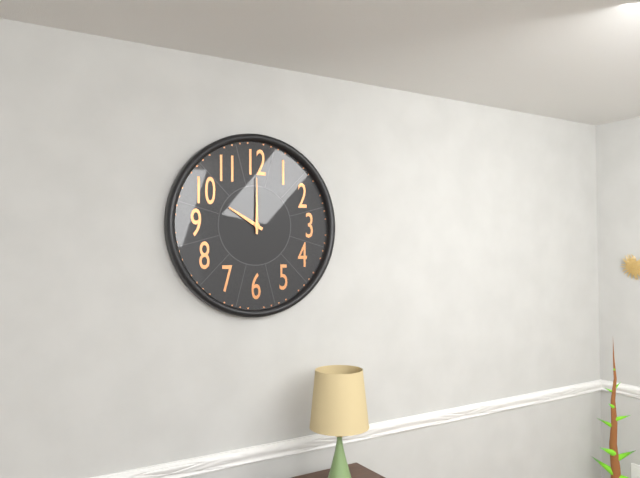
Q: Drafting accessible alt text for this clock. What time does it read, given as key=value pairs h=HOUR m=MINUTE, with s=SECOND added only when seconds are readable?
h=10 m=0
